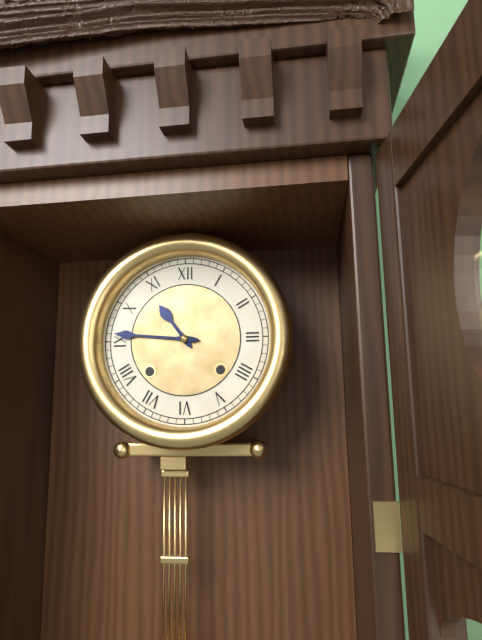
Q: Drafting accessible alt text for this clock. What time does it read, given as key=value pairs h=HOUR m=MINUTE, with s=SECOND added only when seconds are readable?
h=10 m=46
